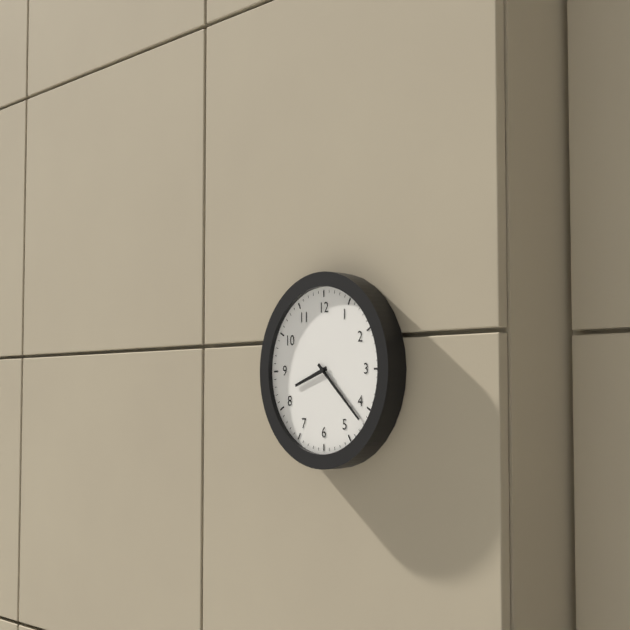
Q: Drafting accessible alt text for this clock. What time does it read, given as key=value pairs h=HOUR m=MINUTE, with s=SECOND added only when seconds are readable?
h=8 m=22
